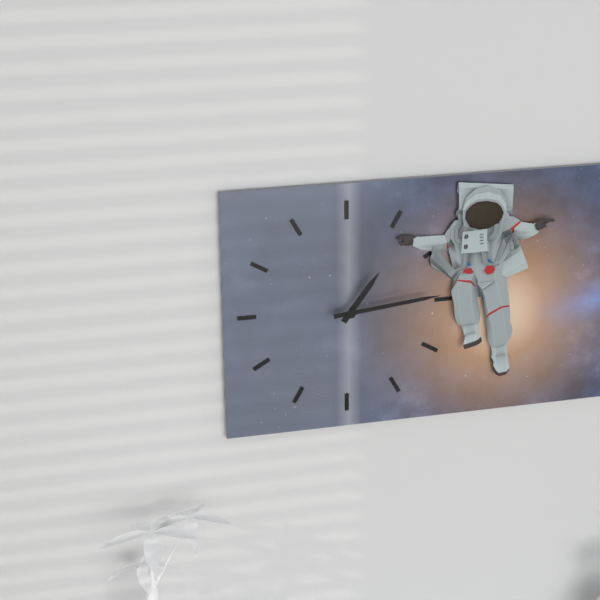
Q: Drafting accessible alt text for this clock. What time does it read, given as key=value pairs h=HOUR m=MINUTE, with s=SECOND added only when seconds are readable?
h=1 m=14
